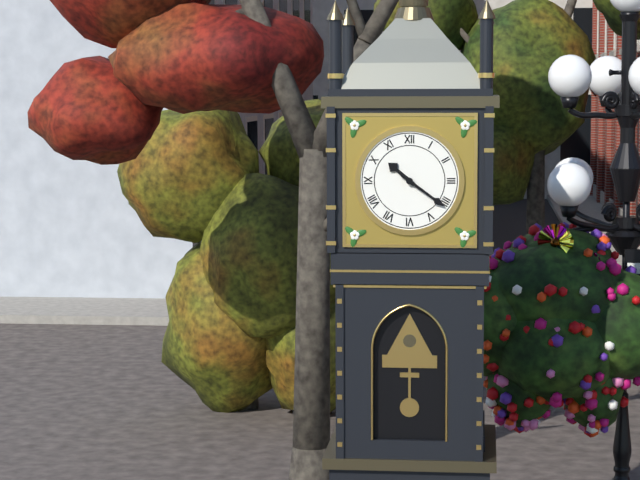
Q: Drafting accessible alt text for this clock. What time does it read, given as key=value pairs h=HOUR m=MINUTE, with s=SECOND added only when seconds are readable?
h=10 m=21
